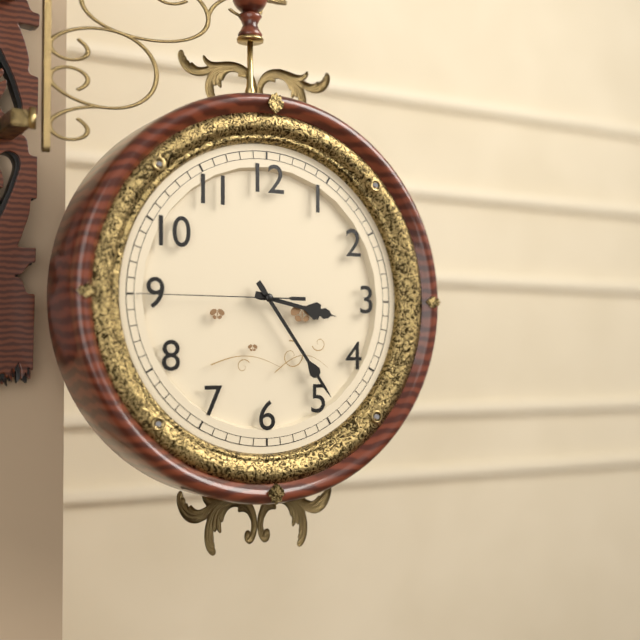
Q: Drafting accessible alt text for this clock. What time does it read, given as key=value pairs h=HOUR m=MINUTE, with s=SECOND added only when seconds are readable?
h=3 m=24 s=45
